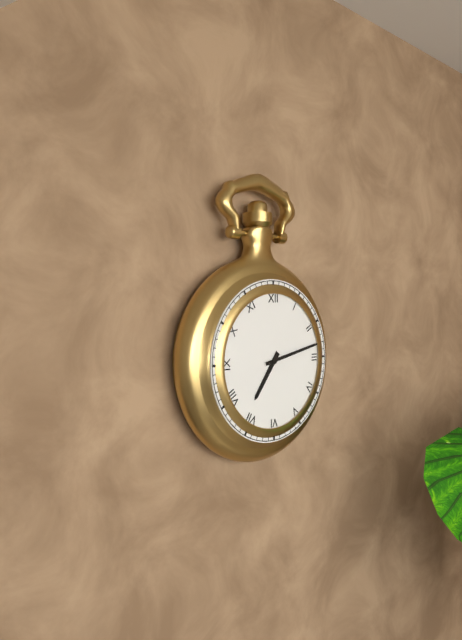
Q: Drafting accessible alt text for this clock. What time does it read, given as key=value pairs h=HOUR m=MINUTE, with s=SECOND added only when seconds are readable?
h=7 m=13
